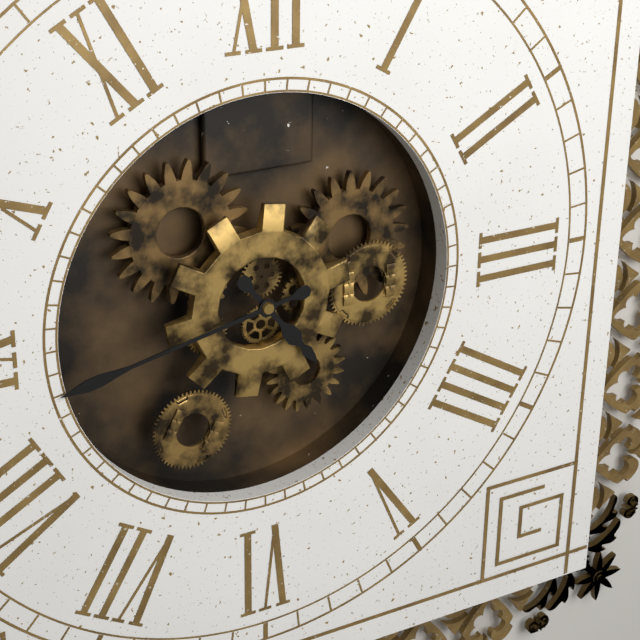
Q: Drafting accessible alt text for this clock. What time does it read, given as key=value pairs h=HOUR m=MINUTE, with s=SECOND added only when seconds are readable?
h=4 m=43
